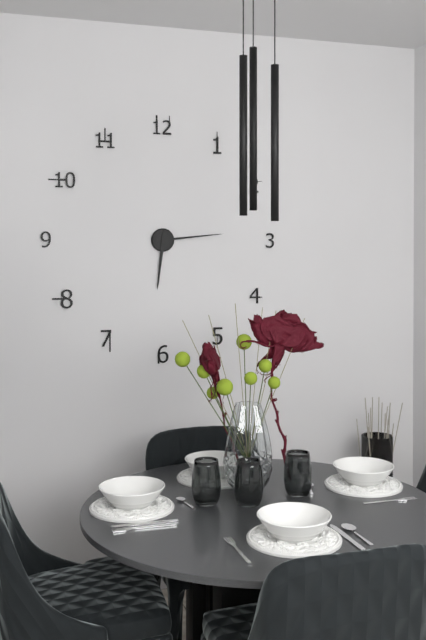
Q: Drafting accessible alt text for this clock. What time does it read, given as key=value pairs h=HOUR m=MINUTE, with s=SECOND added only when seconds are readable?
h=6 m=14
